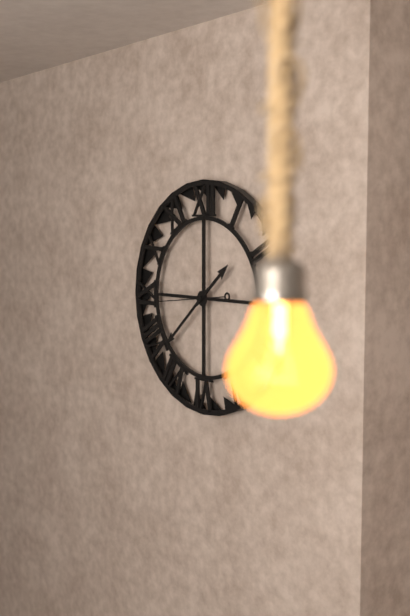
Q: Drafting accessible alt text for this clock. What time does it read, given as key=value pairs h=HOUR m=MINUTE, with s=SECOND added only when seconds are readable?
h=1 m=38 s=44
